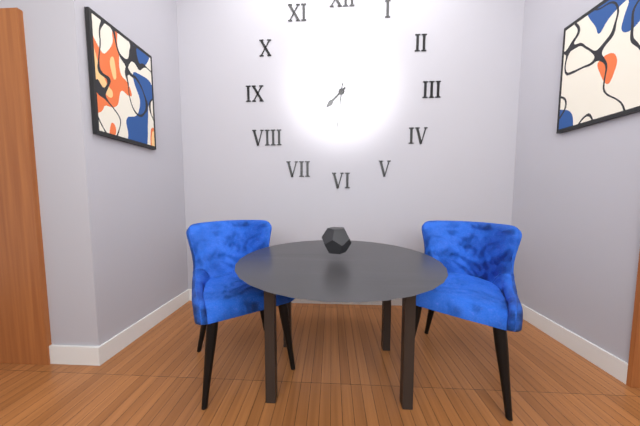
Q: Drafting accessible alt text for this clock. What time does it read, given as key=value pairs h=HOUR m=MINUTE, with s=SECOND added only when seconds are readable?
h=7 m=31
